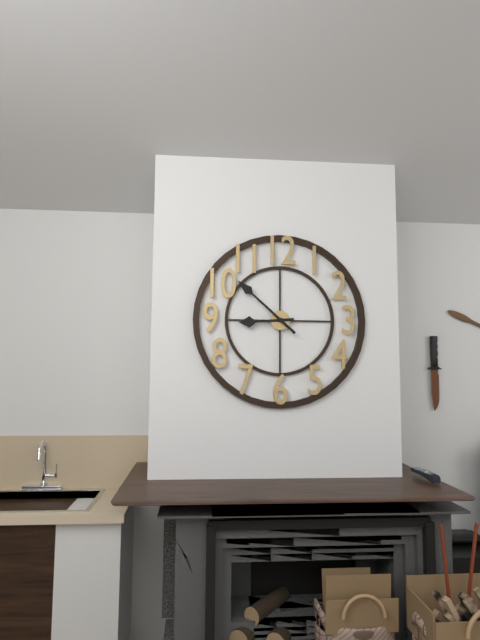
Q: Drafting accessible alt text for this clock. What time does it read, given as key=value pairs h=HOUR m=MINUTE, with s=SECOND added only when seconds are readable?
h=8 m=52
